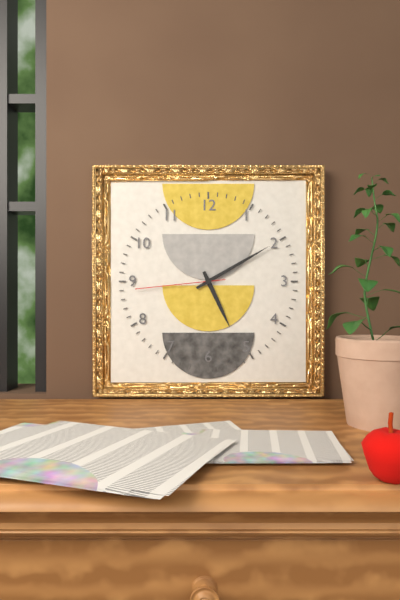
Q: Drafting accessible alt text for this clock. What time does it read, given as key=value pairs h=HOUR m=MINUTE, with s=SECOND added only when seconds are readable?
h=5 m=10 s=44
